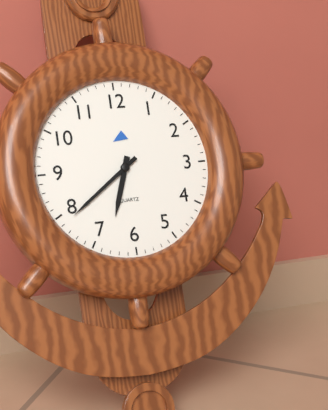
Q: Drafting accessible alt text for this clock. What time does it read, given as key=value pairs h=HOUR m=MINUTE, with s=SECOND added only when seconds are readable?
h=6 m=39
